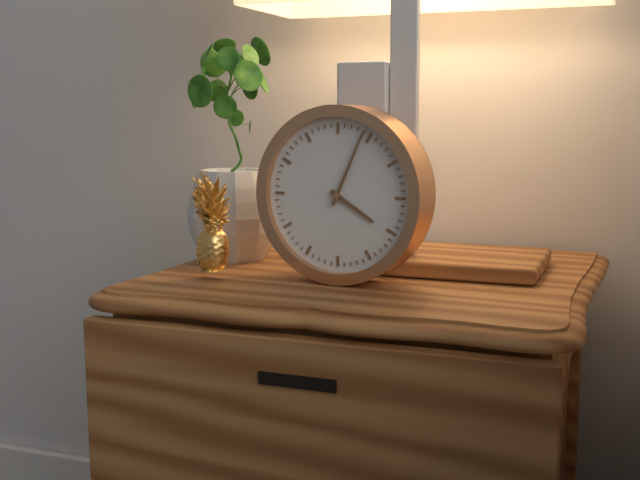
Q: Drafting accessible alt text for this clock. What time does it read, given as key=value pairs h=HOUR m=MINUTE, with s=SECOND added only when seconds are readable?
h=4 m=4
